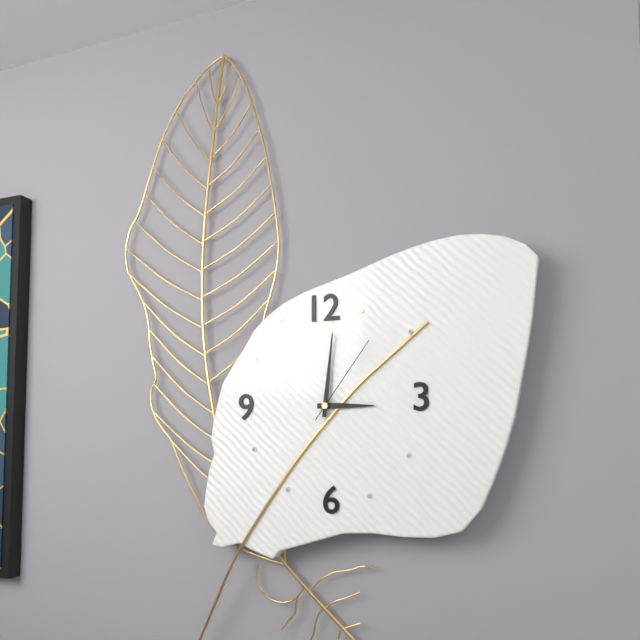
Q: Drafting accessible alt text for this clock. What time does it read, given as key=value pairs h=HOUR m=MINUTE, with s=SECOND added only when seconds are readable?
h=3 m=1 s=6
